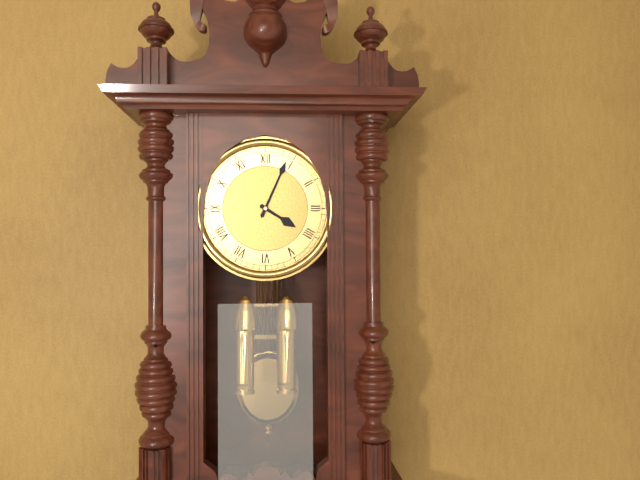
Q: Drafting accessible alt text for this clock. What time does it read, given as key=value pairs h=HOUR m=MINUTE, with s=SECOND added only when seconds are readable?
h=4 m=4
